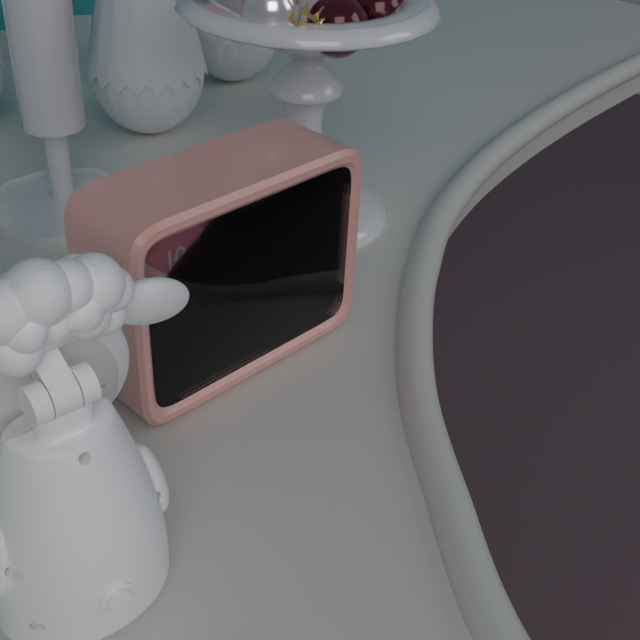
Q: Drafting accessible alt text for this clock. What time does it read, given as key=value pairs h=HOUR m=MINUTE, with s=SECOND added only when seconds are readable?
h=6 m=3
